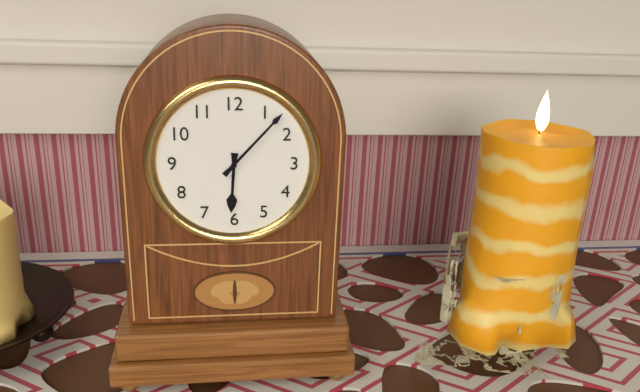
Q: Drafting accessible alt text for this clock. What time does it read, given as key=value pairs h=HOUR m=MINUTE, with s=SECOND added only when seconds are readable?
h=6 m=7
